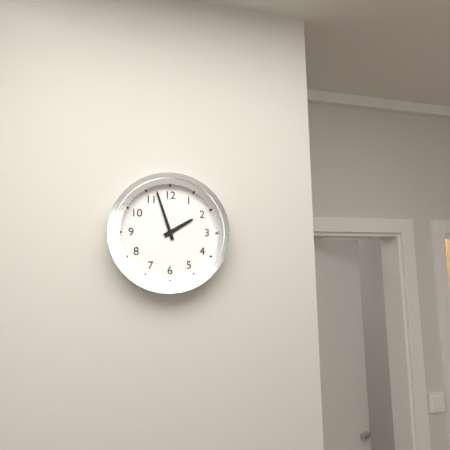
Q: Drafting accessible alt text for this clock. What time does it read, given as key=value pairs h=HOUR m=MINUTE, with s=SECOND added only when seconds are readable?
h=1 m=57
